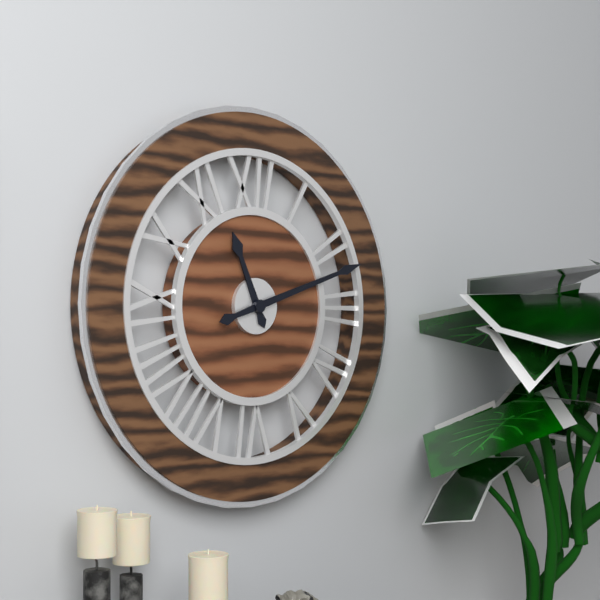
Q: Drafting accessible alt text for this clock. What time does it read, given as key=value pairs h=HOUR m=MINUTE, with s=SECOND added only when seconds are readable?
h=11 m=12
